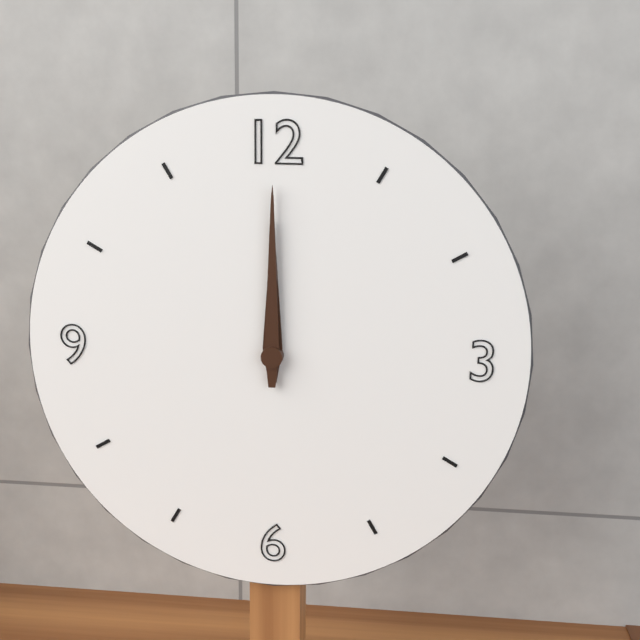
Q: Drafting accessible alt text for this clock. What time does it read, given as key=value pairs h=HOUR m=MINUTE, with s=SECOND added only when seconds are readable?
h=12 m=0
